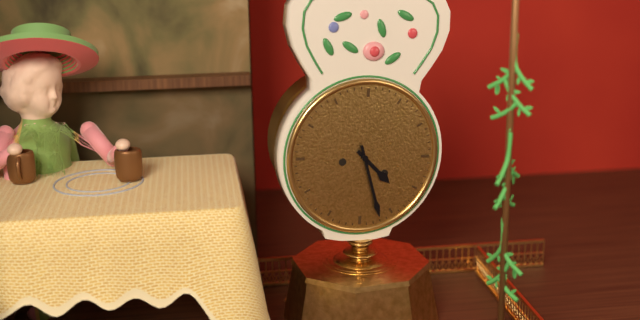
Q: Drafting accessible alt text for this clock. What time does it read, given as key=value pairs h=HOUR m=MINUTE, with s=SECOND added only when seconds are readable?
h=4 m=27
